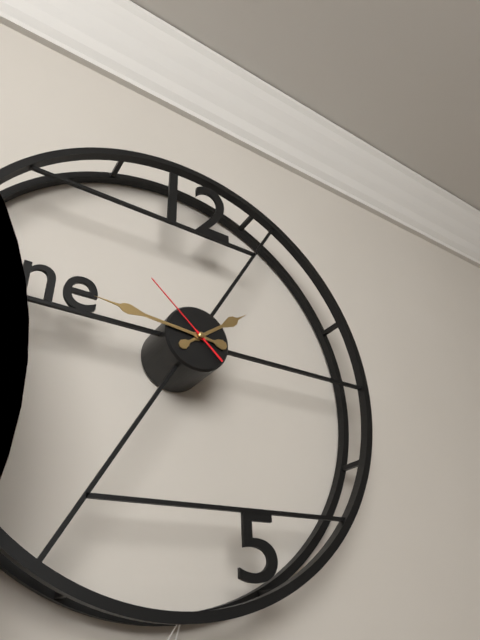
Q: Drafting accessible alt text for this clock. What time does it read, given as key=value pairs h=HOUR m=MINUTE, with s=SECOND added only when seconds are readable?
h=1 m=46 s=52
